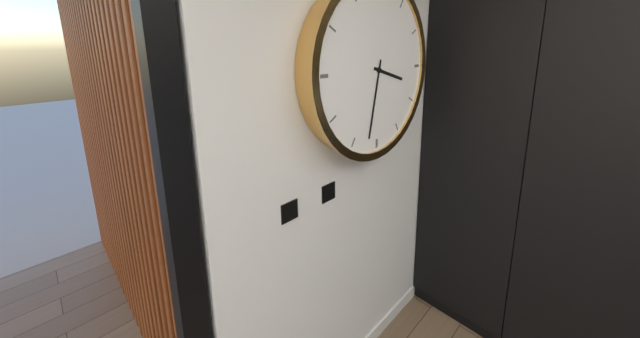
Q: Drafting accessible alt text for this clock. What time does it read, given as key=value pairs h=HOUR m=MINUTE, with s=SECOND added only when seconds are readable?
h=3 m=32
